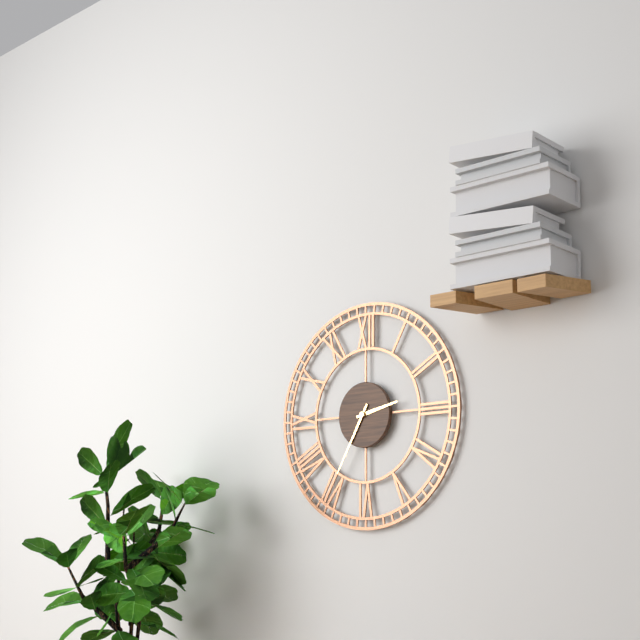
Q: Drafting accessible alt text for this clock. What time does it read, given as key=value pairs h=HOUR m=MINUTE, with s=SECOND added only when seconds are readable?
h=2 m=35
